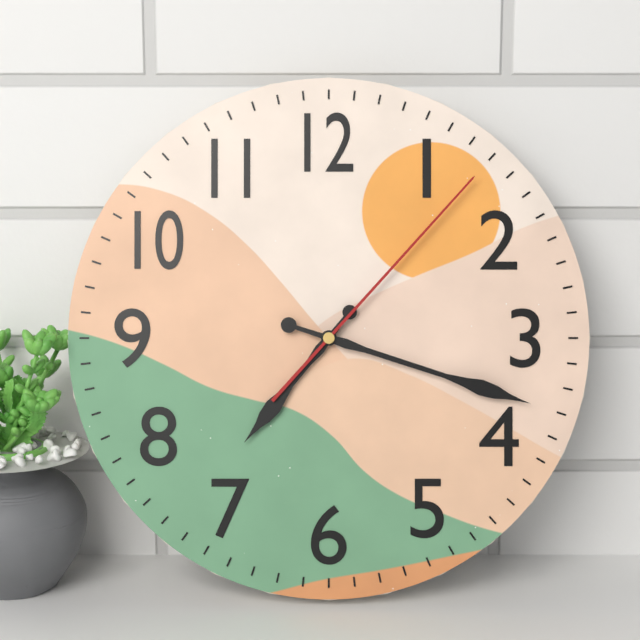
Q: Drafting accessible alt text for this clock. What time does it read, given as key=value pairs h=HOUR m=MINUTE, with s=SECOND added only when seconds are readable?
h=7 m=18 s=7
